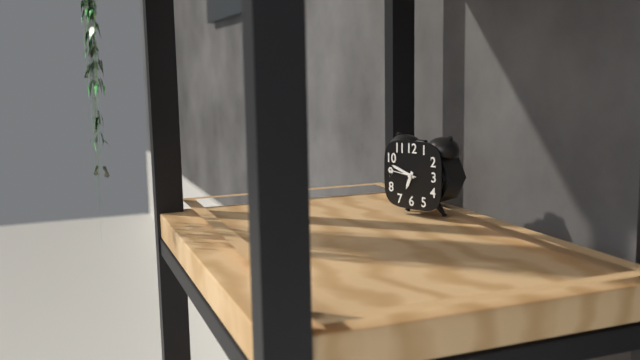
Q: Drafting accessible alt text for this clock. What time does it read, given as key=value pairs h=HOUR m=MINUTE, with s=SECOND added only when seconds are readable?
h=6 m=48
